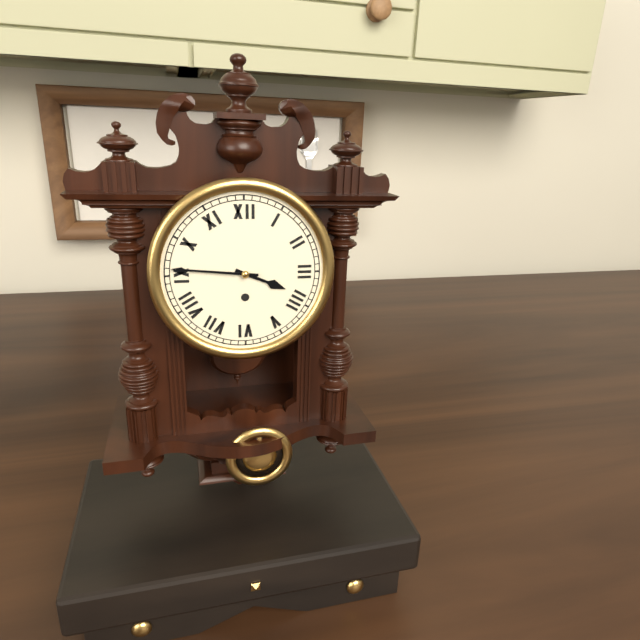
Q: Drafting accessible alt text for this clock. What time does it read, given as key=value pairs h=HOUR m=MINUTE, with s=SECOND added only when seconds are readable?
h=3 m=46
